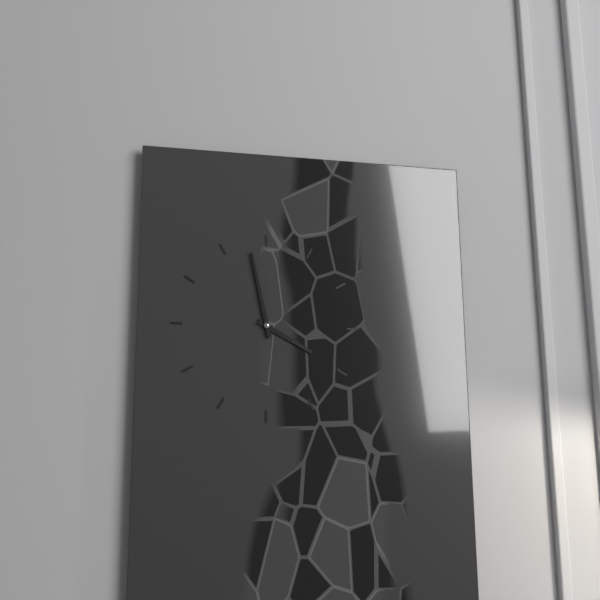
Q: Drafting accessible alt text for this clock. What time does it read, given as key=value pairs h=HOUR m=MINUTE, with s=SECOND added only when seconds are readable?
h=3 m=58
